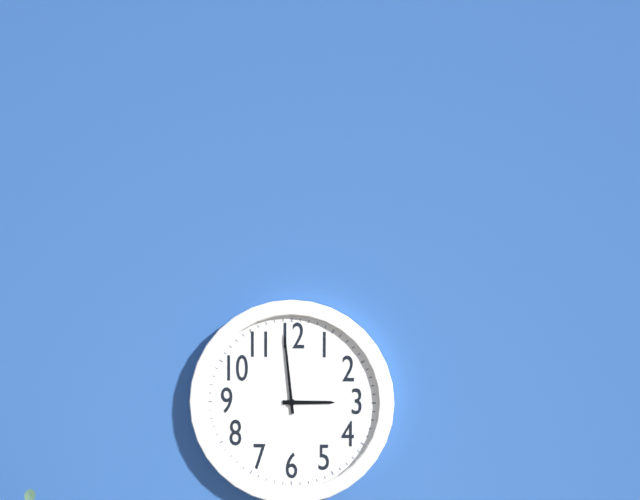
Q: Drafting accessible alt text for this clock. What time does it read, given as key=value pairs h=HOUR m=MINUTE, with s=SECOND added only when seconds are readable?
h=2 m=59
